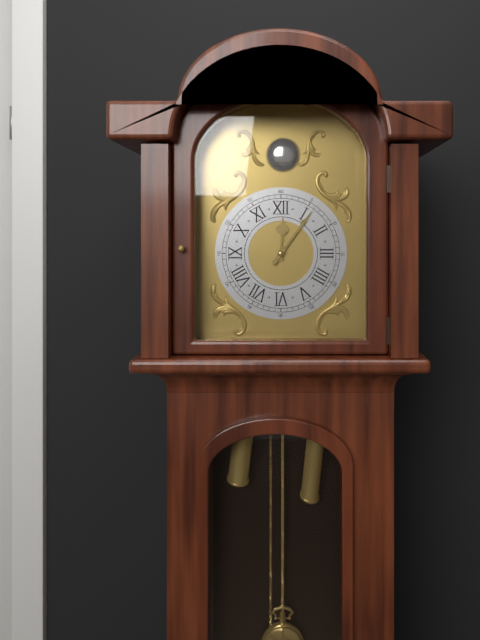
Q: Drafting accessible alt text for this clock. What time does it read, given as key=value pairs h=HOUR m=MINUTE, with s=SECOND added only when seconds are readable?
h=12 m=6
